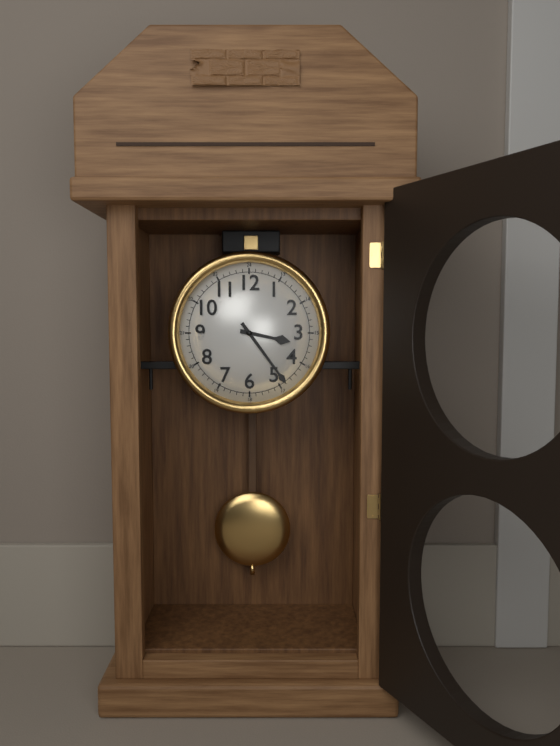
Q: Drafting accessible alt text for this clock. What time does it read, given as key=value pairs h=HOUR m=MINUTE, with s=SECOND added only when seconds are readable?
h=3 m=24
